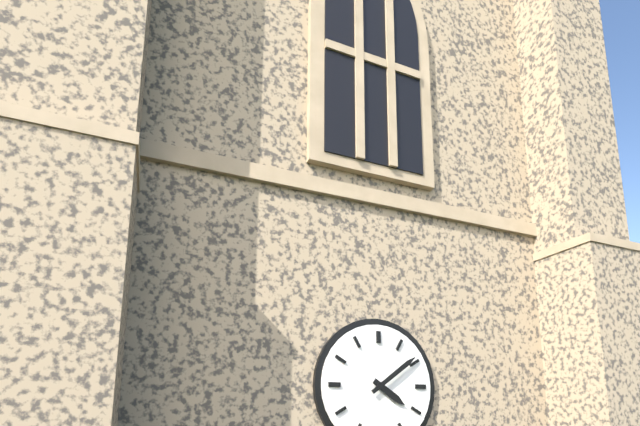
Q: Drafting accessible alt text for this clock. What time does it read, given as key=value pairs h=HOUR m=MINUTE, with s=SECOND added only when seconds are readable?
h=4 m=9
